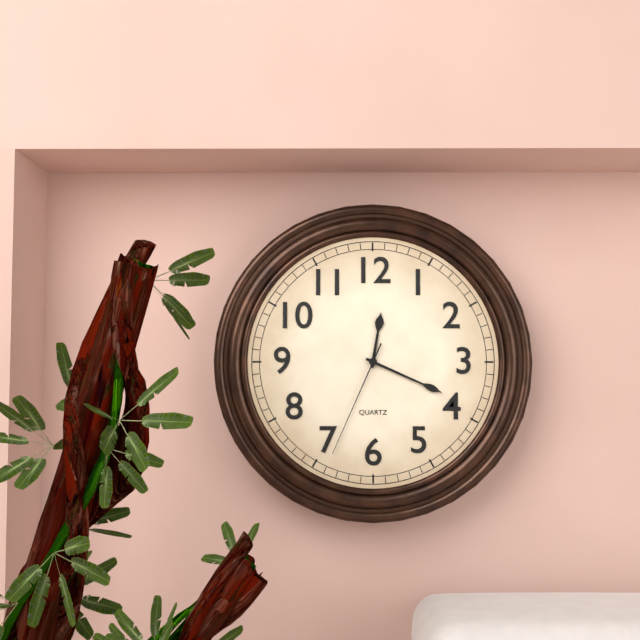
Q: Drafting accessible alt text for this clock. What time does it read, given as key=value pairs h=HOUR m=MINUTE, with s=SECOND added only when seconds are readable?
h=12 m=19 s=34
